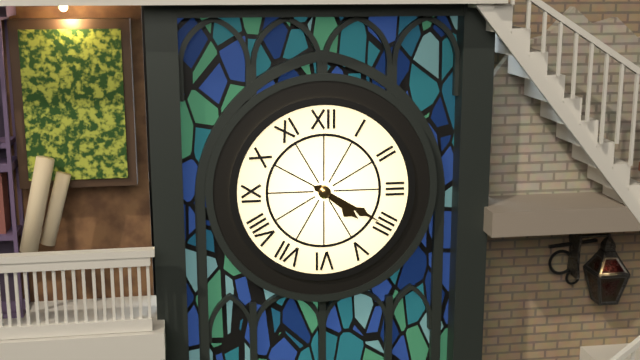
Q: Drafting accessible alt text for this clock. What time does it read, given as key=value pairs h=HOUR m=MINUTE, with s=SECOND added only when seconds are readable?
h=4 m=20
